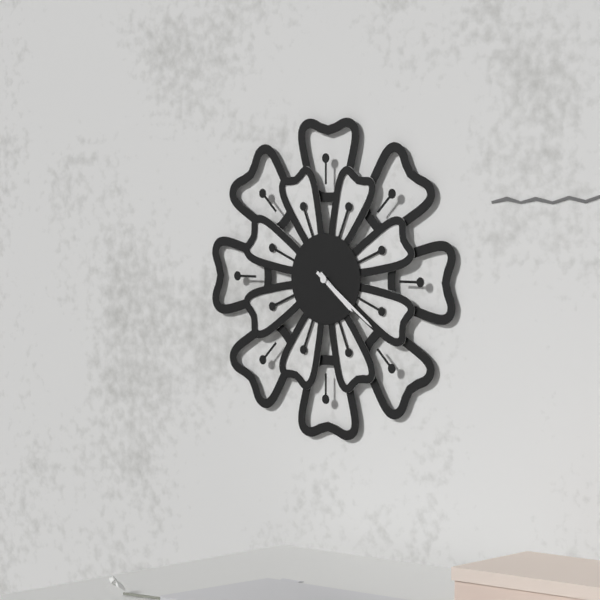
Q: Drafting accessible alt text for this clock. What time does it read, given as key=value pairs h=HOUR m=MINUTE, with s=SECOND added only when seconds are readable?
h=4 m=21
